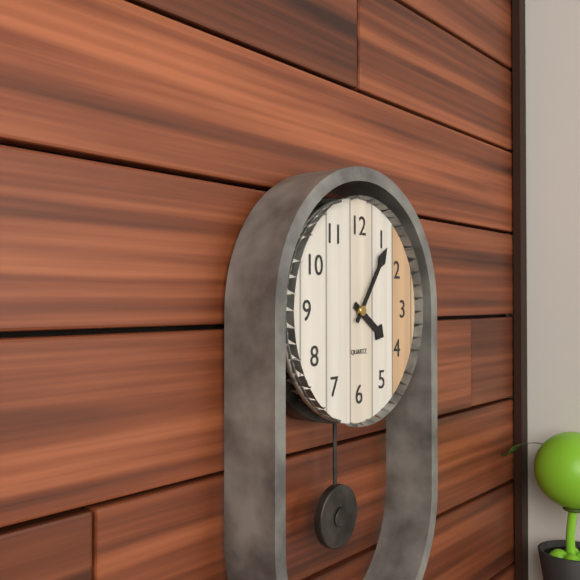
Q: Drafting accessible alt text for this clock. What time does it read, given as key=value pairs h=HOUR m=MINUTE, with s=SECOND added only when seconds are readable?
h=4 m=6
